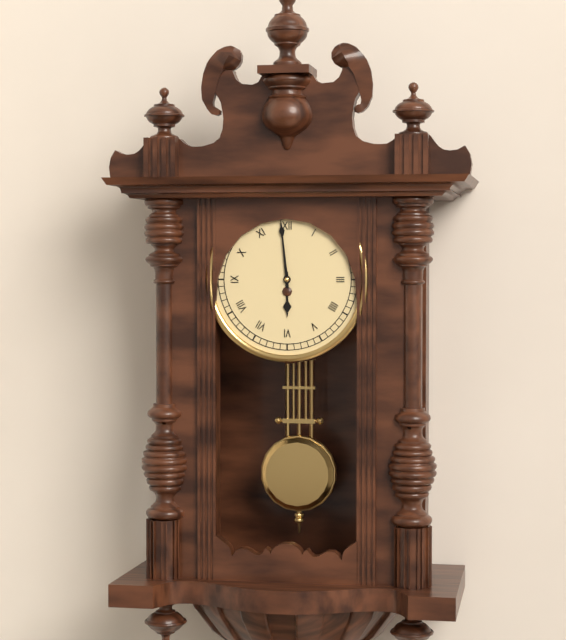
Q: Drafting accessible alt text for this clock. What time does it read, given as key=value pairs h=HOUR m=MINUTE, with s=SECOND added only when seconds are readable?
h=5 m=59
